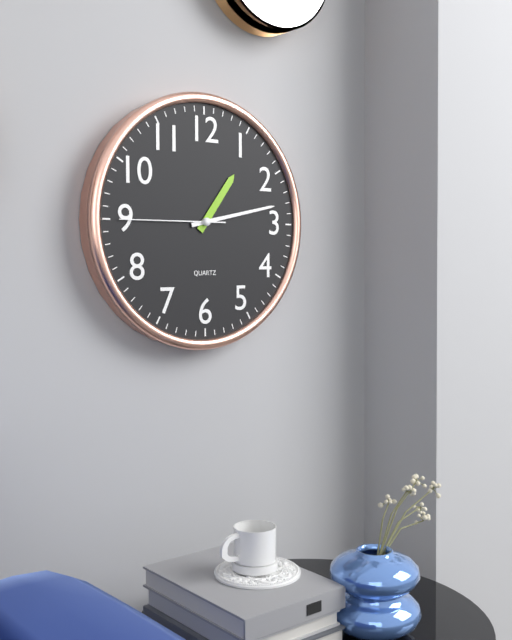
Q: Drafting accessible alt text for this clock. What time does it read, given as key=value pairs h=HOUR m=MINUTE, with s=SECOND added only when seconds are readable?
h=1 m=13 s=45
